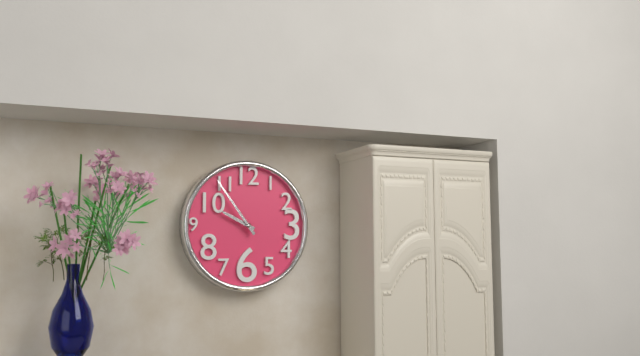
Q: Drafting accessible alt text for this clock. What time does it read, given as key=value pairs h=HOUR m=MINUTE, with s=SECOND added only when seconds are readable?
h=9 m=54
